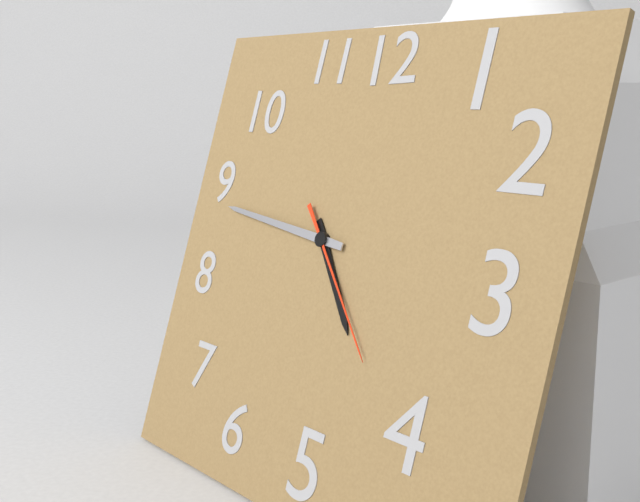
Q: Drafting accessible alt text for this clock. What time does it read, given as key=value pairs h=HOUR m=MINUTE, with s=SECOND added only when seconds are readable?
h=4 m=46 s=23
